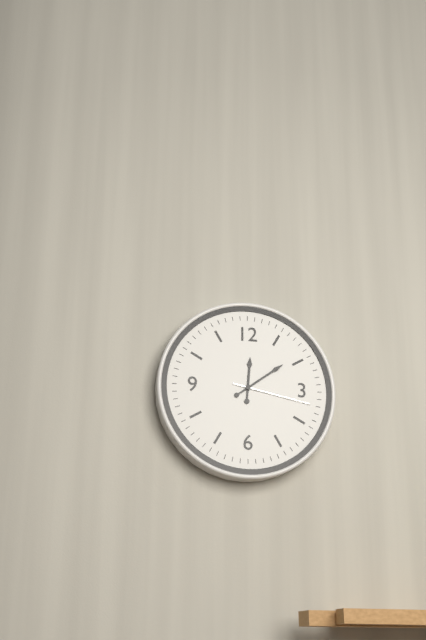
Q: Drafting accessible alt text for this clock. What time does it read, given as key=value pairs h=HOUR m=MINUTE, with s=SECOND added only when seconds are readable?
h=12 m=9 s=17
